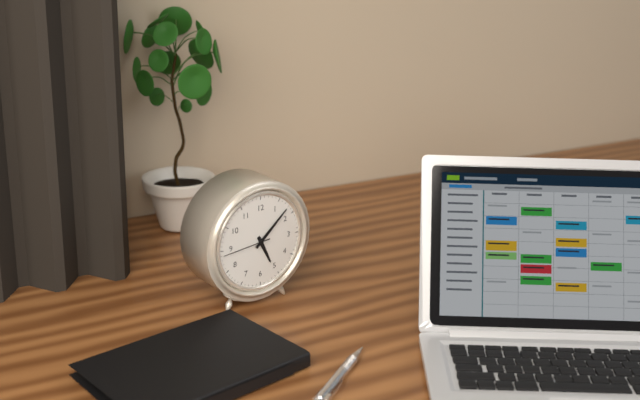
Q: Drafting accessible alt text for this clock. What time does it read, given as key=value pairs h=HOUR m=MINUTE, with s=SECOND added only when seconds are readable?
h=5 m=8
